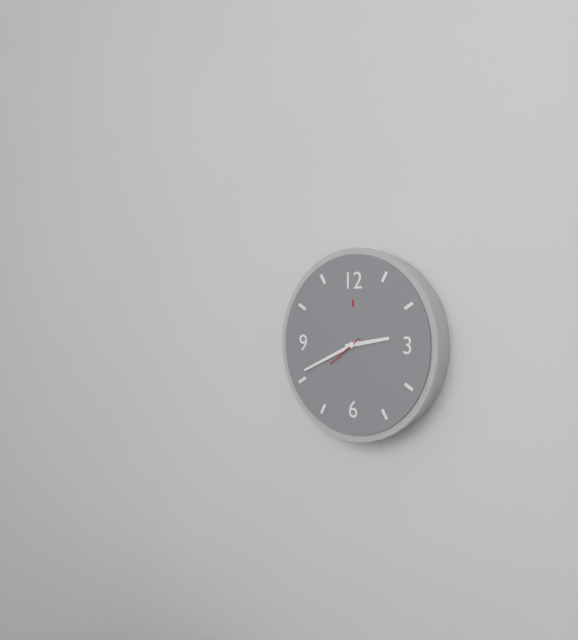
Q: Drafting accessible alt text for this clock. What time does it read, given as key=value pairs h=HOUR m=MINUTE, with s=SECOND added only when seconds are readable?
h=2 m=41
